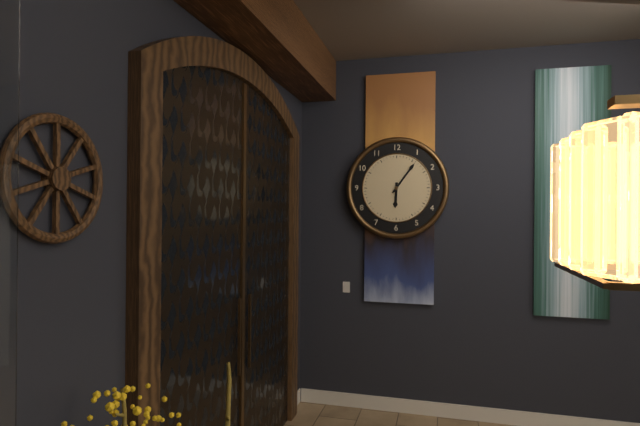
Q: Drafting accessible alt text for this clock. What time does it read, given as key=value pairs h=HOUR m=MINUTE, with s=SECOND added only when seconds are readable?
h=6 m=6
